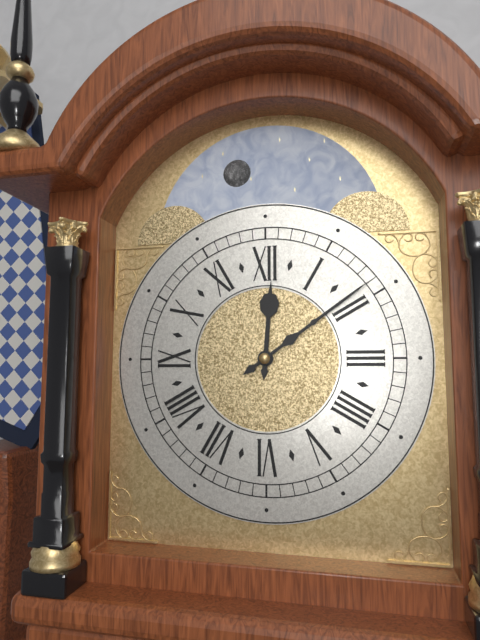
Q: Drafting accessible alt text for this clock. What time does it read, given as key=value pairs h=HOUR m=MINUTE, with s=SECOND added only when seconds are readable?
h=12 m=9
